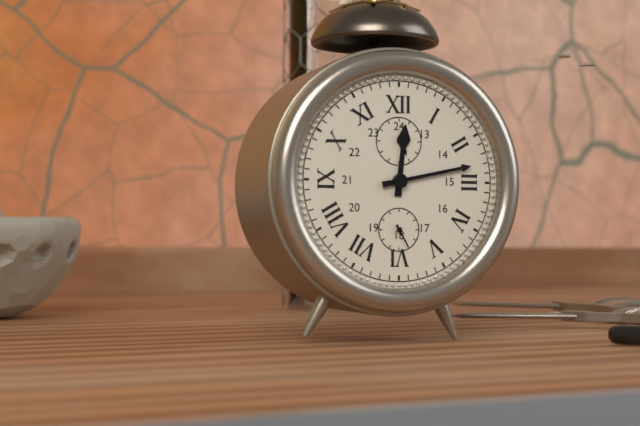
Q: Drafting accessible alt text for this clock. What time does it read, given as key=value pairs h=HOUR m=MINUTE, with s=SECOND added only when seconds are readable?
h=12 m=13
